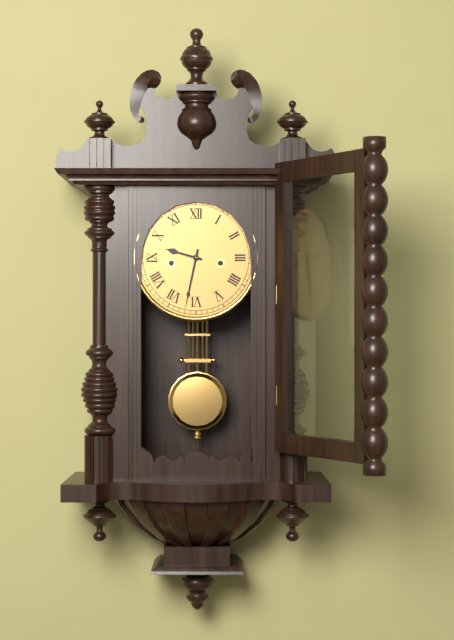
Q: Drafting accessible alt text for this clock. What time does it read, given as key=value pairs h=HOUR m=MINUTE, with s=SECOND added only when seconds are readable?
h=9 m=32
